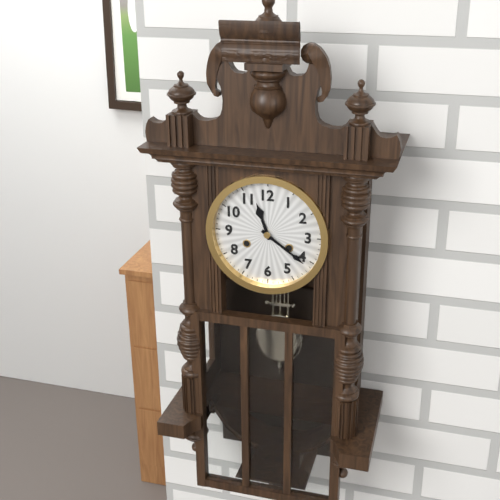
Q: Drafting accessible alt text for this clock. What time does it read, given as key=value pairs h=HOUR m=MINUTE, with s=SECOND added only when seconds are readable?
h=11 m=21
